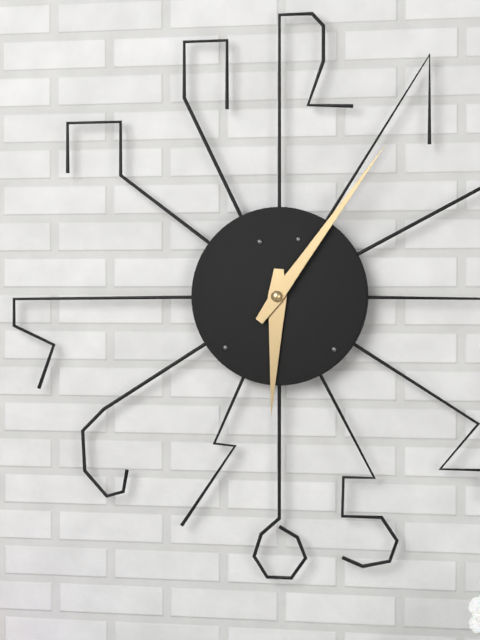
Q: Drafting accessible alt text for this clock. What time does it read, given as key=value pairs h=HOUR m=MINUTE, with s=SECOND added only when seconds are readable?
h=6 m=6
